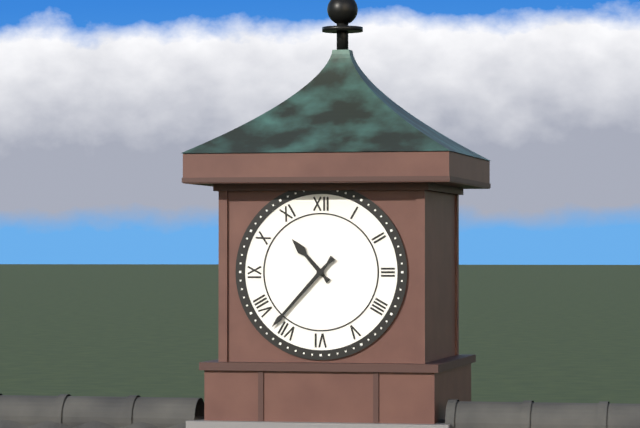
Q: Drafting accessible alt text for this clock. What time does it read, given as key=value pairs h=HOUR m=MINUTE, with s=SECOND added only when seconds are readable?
h=10 m=37
